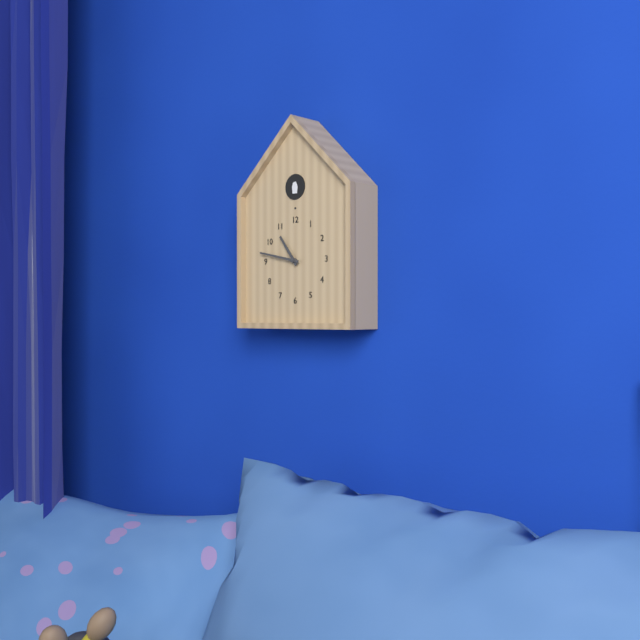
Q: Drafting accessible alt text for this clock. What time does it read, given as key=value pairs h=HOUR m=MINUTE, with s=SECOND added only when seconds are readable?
h=10 m=47
